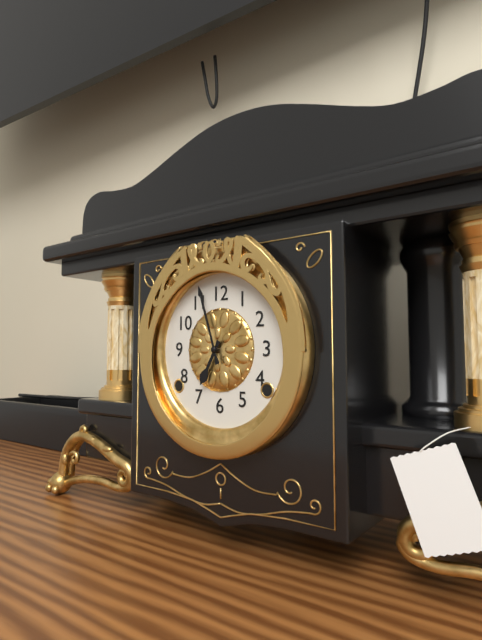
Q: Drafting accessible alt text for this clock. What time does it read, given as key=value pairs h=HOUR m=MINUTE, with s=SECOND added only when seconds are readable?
h=6 m=57
